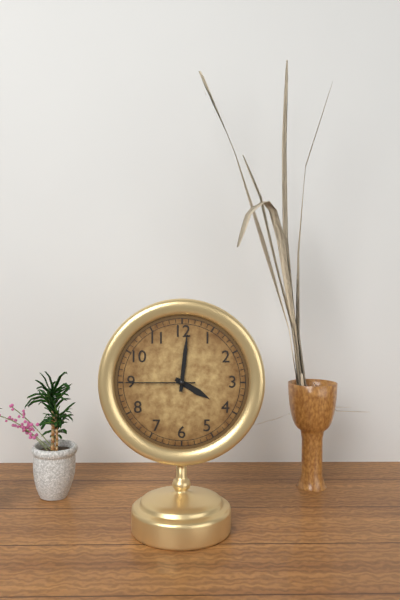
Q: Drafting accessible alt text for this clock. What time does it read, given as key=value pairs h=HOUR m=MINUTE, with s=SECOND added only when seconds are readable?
h=4 m=1 s=45
